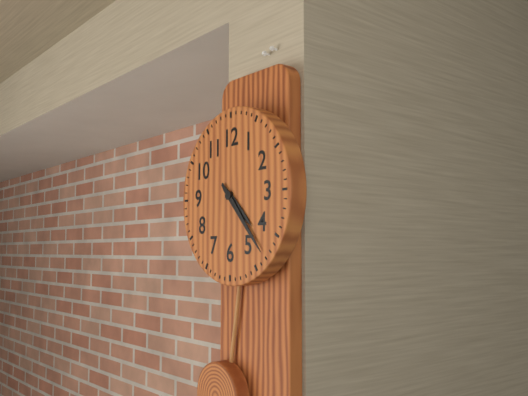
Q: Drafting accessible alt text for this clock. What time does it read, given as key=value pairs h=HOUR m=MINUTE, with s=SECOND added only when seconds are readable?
h=4 m=23
